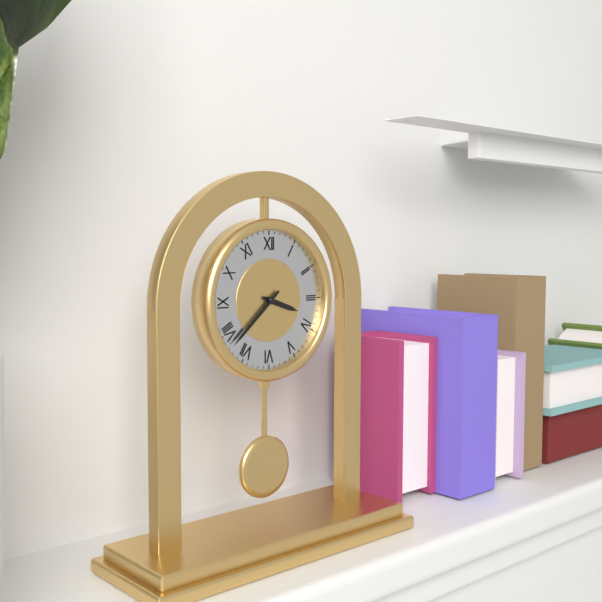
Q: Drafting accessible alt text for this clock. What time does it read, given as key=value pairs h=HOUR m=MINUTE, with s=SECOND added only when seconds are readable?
h=3 m=38
